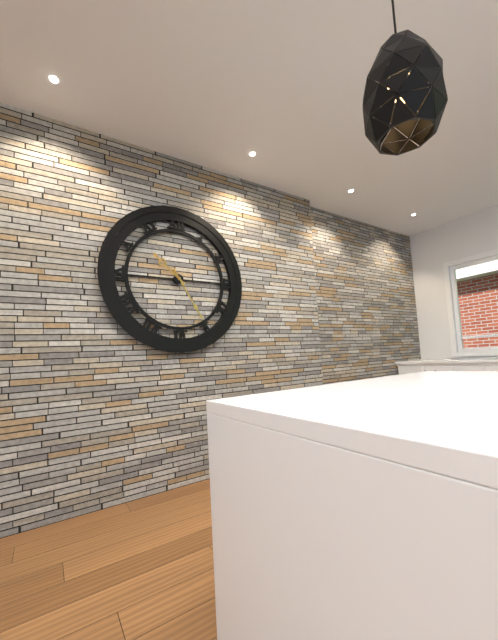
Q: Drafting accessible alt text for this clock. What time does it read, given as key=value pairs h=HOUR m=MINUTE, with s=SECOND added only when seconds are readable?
h=10 m=25
